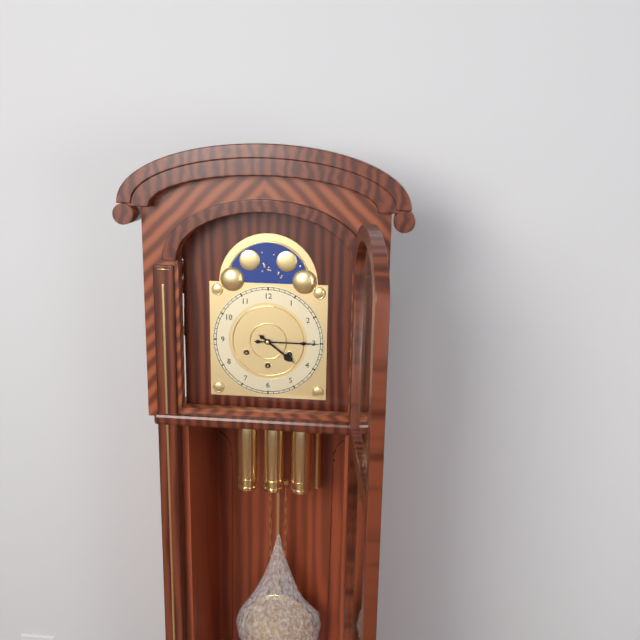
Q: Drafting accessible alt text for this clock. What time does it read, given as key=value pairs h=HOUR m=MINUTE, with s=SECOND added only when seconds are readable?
h=4 m=15
